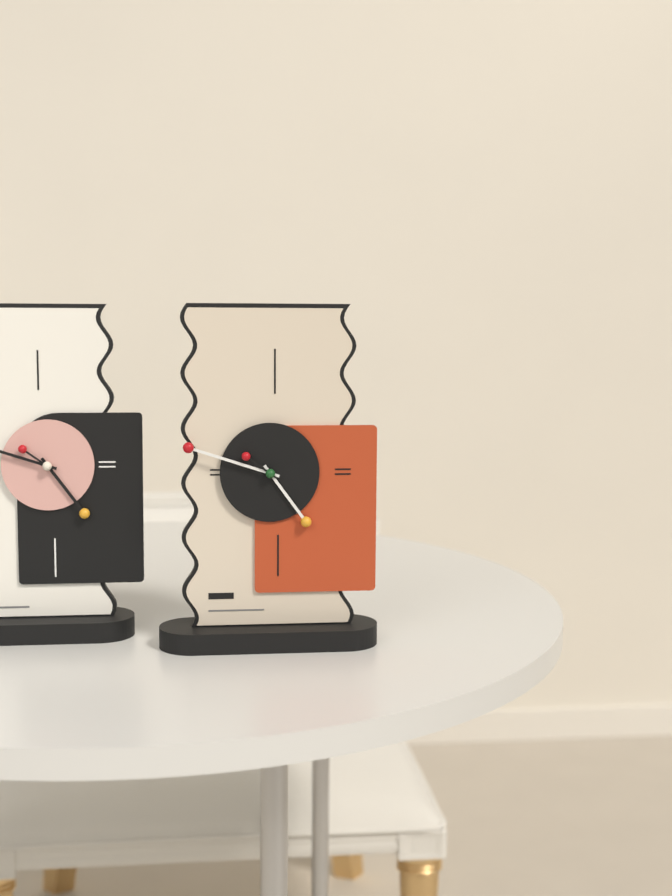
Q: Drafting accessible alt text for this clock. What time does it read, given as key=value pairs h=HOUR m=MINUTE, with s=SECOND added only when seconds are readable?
h=4 m=48
